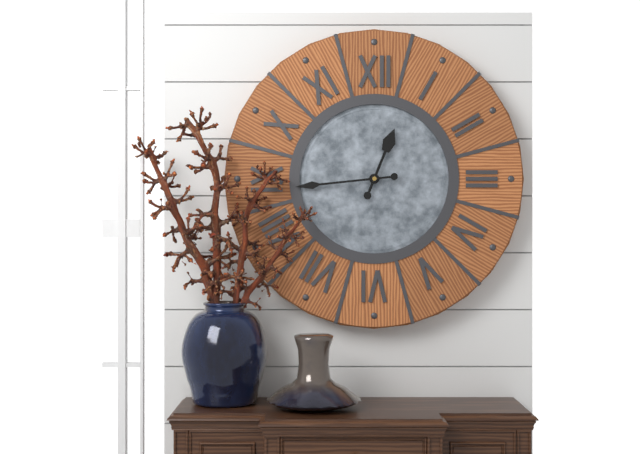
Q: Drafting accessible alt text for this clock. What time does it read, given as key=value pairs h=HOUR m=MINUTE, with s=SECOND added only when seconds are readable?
h=12 m=44
